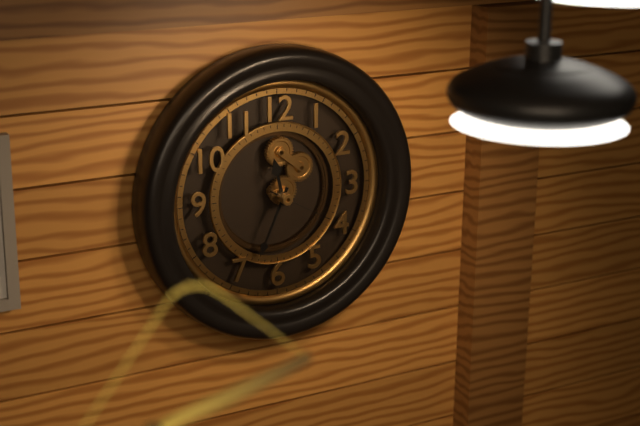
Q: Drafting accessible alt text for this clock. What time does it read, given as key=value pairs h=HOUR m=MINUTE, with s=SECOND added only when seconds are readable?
h=11 m=34 s=20
